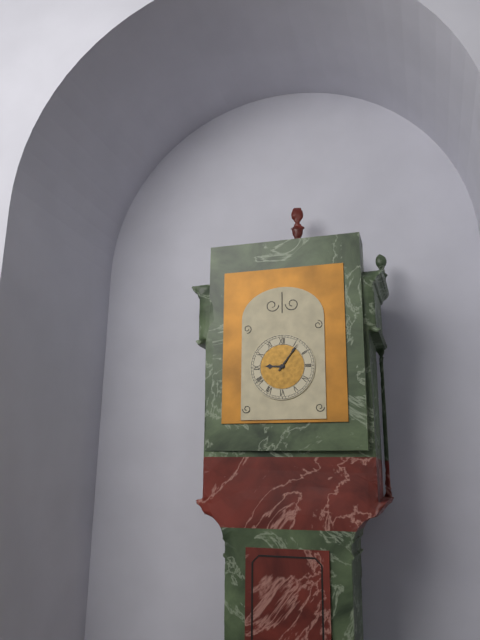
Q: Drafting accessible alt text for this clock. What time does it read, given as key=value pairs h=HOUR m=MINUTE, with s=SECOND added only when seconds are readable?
h=9 m=6
